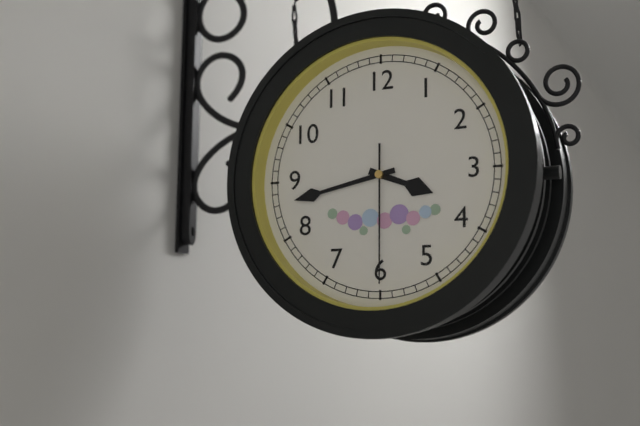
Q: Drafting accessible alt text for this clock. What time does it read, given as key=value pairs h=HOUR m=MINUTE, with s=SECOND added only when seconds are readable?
h=3 m=43 s=30
